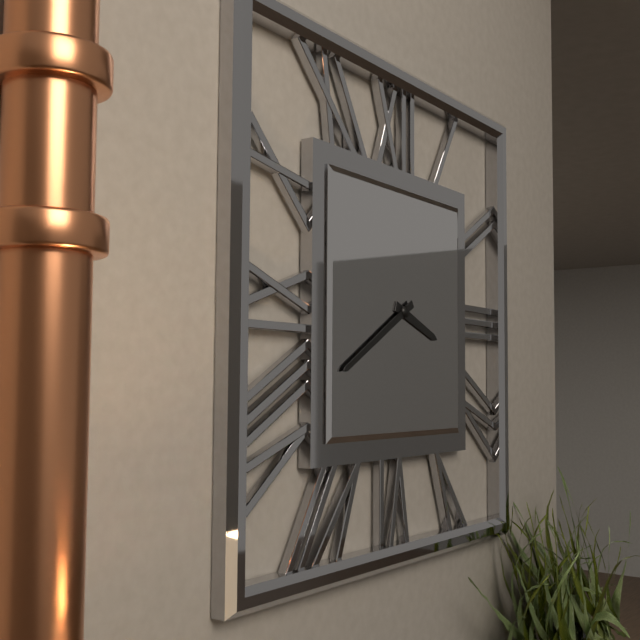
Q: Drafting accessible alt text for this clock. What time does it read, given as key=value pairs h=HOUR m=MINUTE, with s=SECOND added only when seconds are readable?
h=3 m=40
